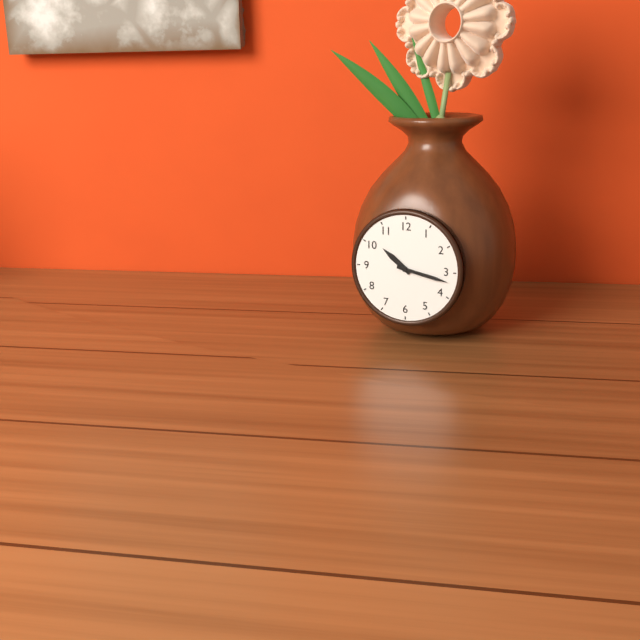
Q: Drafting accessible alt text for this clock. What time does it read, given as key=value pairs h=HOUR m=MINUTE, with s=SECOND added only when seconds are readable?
h=10 m=17
